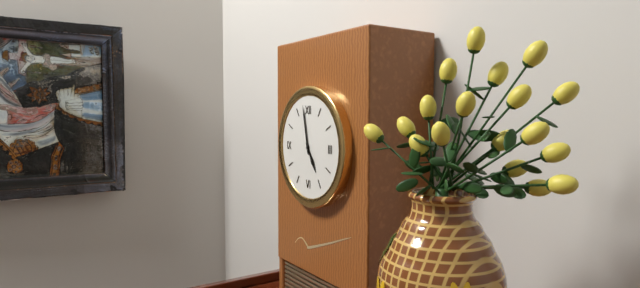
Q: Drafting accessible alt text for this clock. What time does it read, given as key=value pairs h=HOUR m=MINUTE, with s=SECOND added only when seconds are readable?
h=4 m=58
